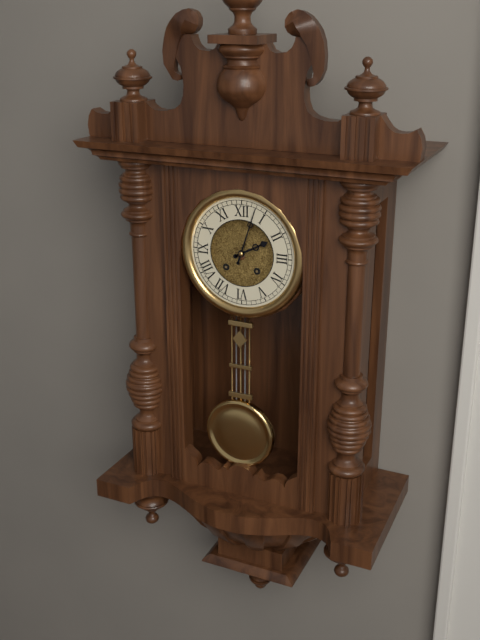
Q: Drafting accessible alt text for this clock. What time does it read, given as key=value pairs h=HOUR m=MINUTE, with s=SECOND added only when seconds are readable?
h=2 m=3
